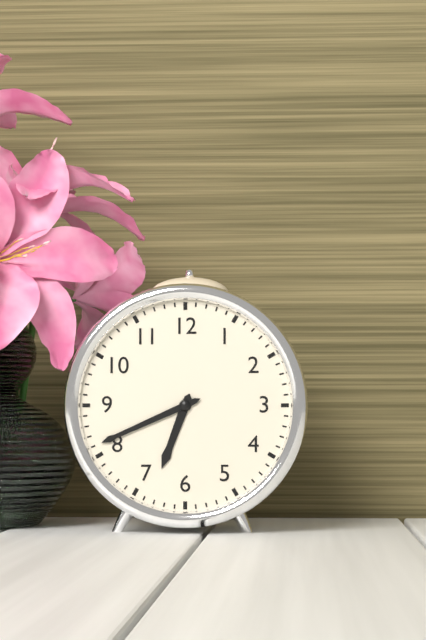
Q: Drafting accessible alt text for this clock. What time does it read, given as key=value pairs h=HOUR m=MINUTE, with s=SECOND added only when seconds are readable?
h=6 m=41
